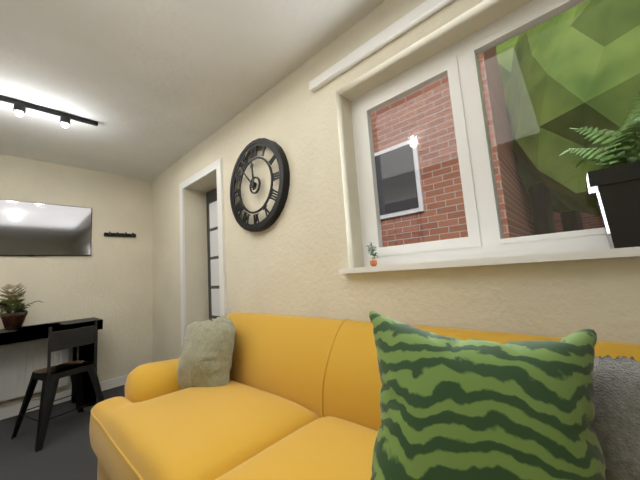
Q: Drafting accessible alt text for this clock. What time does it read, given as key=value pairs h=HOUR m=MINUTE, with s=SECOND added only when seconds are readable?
h=11 m=53
